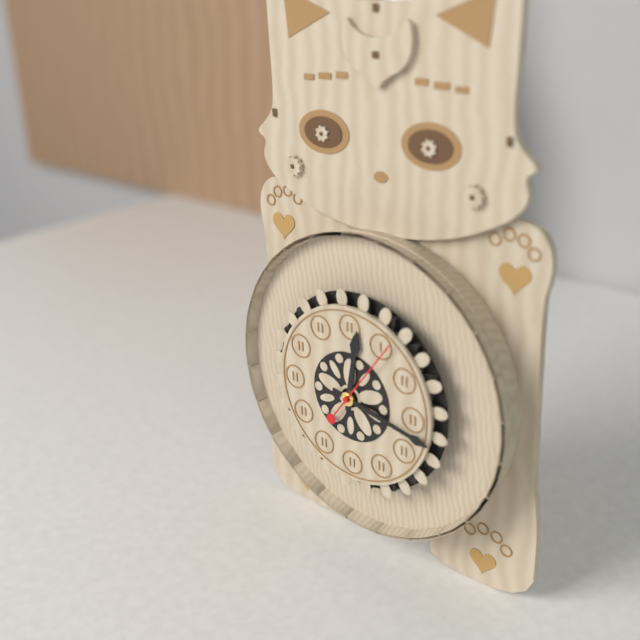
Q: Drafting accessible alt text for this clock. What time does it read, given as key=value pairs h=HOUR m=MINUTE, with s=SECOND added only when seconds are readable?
h=12 m=17
